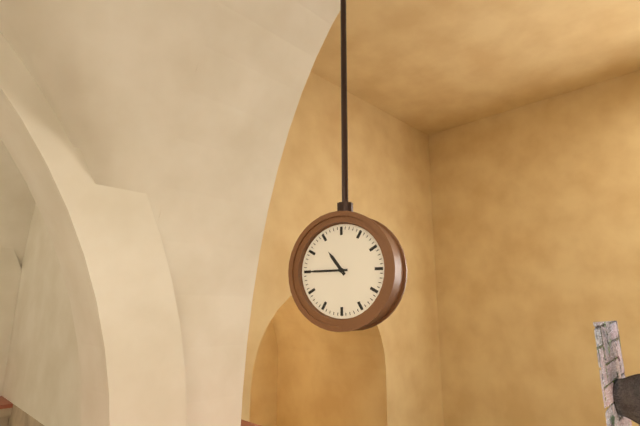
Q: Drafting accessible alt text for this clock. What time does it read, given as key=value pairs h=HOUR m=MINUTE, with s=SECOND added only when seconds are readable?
h=10 m=45
